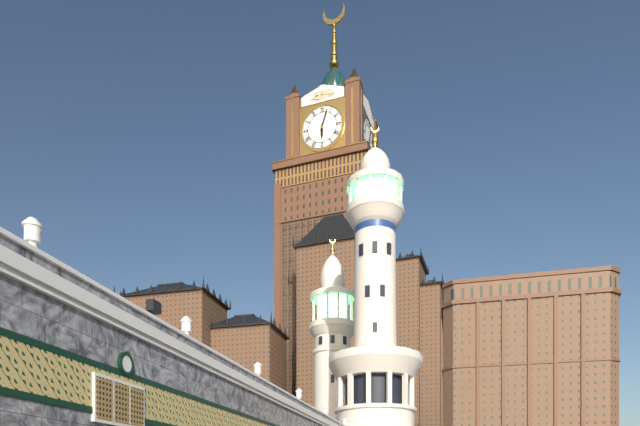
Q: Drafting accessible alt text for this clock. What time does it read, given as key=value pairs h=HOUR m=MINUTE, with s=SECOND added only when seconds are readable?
h=6 m=3
